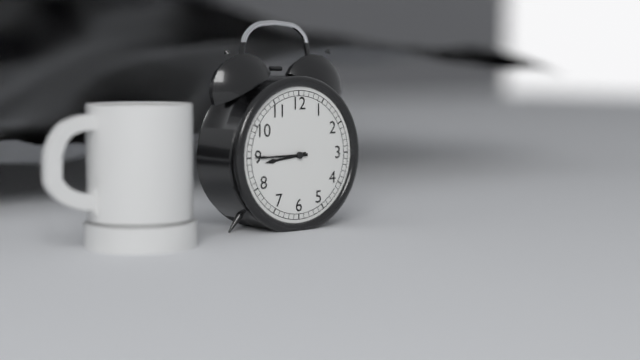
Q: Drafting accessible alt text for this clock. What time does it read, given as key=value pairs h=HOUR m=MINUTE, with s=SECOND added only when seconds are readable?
h=8 m=45
